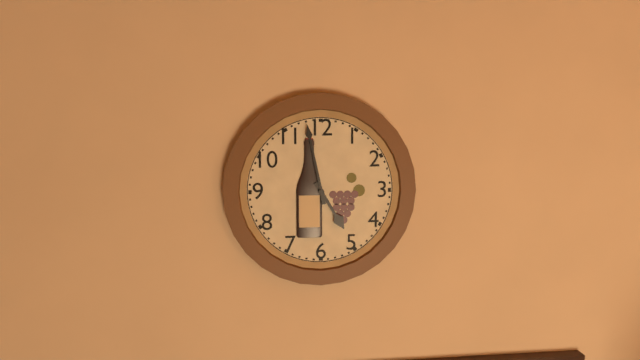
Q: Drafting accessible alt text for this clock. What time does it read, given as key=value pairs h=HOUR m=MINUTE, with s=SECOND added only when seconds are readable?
h=4 m=58
